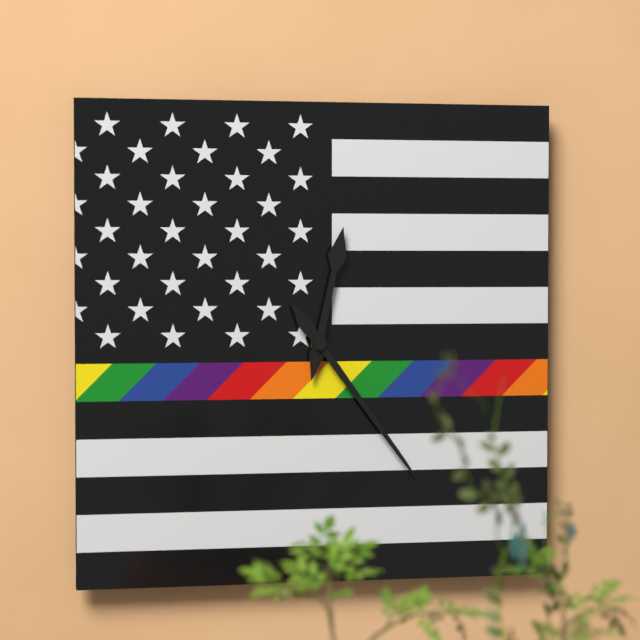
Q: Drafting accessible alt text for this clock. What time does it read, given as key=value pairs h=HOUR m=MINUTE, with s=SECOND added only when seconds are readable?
h=12 m=24
